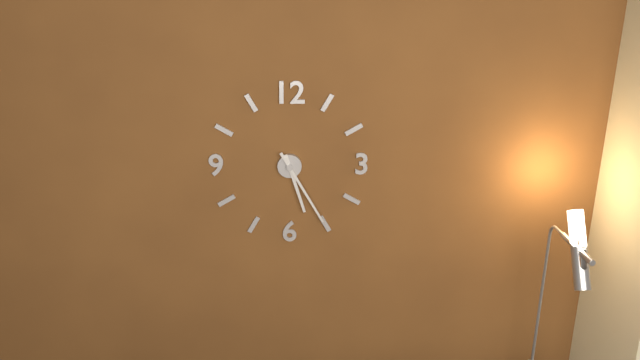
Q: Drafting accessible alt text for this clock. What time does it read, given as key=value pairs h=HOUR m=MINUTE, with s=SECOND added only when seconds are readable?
h=5 m=25
